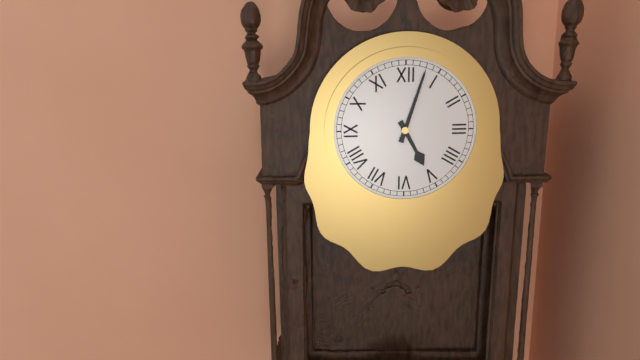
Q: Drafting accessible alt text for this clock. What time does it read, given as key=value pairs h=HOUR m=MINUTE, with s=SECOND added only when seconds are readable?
h=5 m=3
